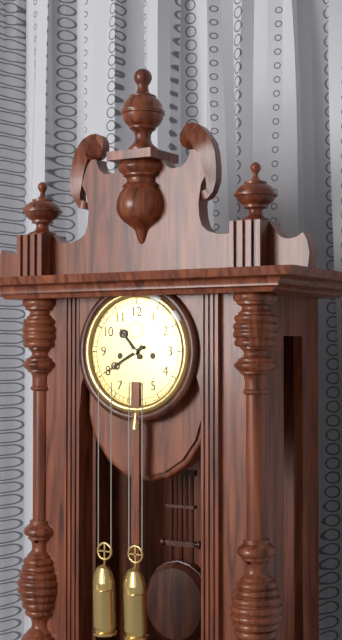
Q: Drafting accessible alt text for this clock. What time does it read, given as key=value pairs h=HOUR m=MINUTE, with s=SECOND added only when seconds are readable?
h=10 m=40
